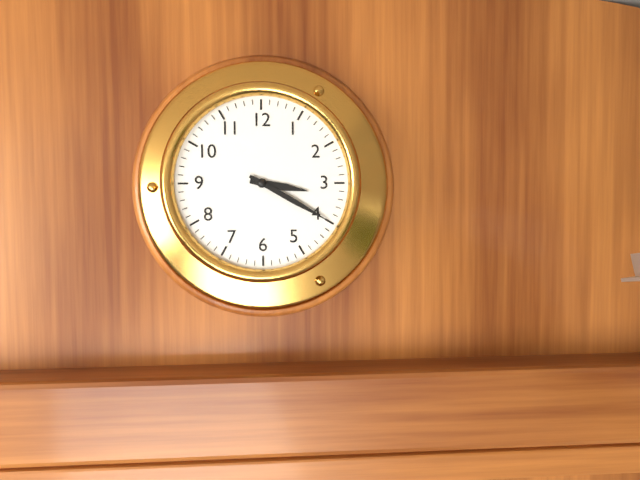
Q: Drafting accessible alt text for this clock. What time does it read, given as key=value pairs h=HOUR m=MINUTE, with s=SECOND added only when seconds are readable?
h=3 m=20
